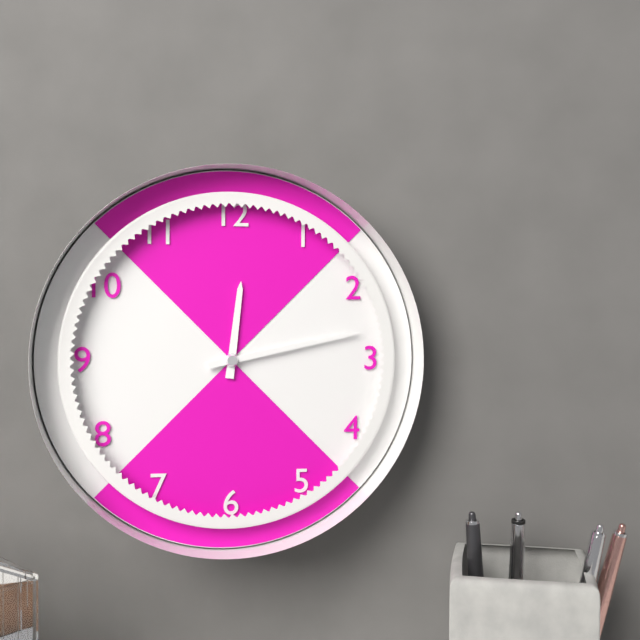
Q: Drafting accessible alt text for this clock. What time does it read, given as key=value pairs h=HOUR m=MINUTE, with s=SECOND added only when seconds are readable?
h=12 m=13
